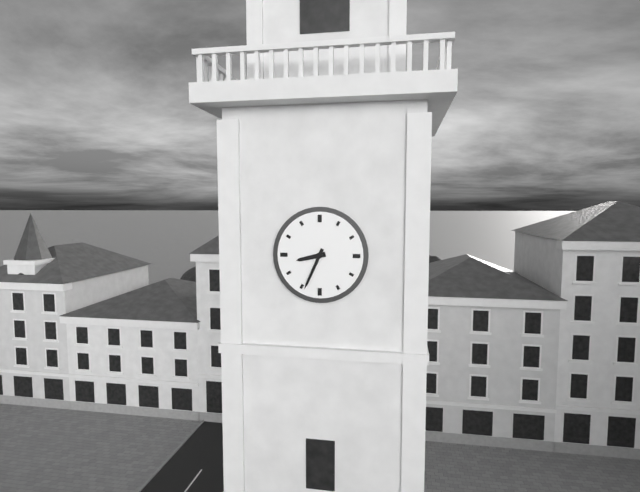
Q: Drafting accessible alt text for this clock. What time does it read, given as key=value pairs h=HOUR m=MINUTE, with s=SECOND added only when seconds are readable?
h=8 m=34
